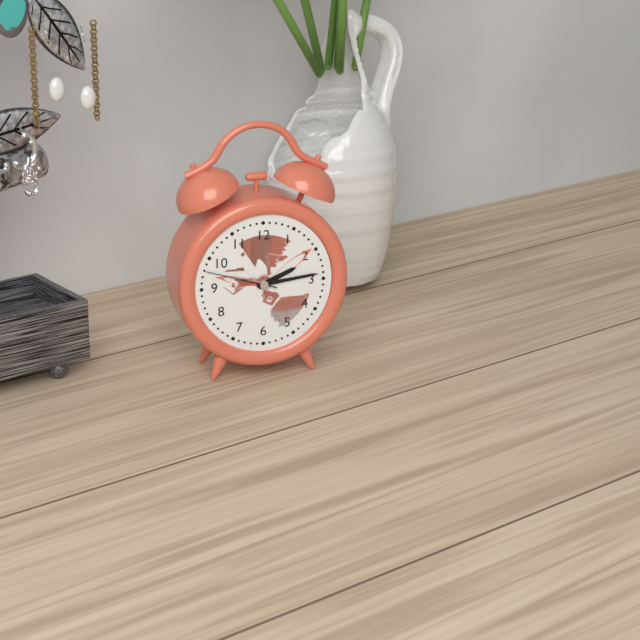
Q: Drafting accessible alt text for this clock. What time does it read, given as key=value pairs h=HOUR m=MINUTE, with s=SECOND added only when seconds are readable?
h=2 m=14 s=48
